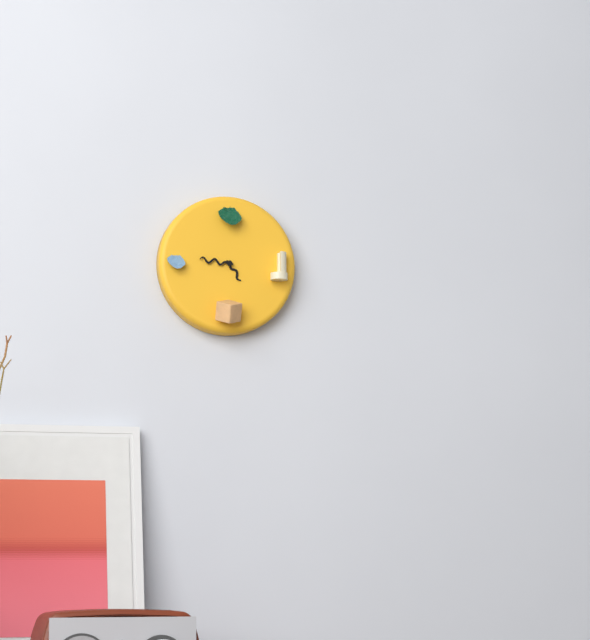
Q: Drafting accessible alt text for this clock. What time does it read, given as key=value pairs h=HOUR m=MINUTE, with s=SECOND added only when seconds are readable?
h=4 m=46
